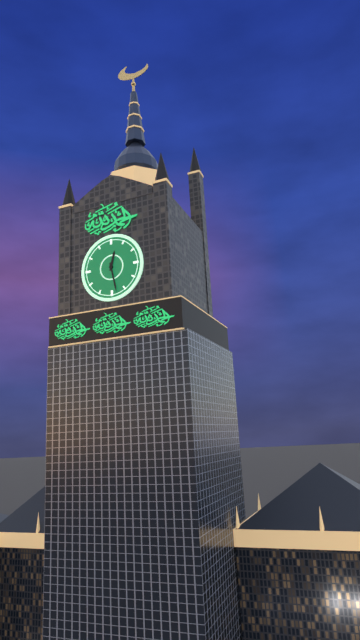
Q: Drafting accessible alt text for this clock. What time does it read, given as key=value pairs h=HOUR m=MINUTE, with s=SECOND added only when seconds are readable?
h=12 m=28
